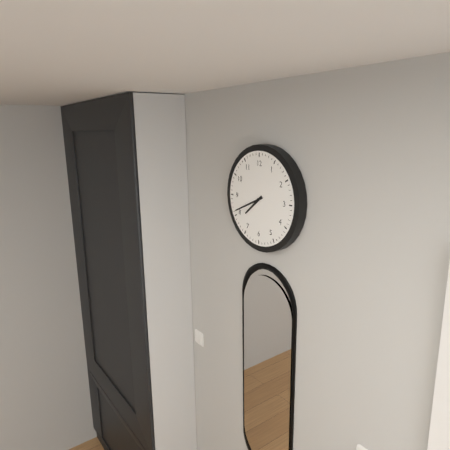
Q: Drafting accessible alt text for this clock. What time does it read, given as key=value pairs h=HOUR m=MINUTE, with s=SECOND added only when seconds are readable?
h=7 m=41
